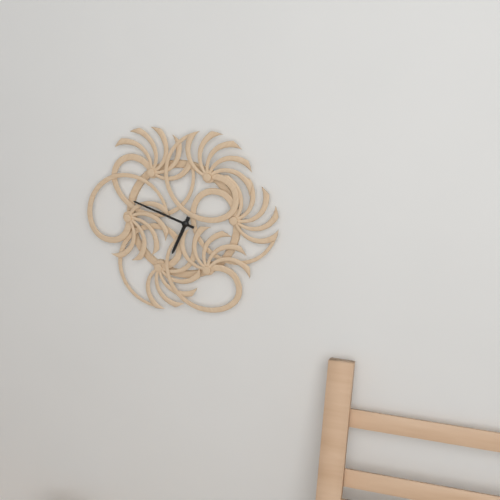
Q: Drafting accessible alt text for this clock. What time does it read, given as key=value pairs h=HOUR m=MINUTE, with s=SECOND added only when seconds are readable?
h=6 m=48
